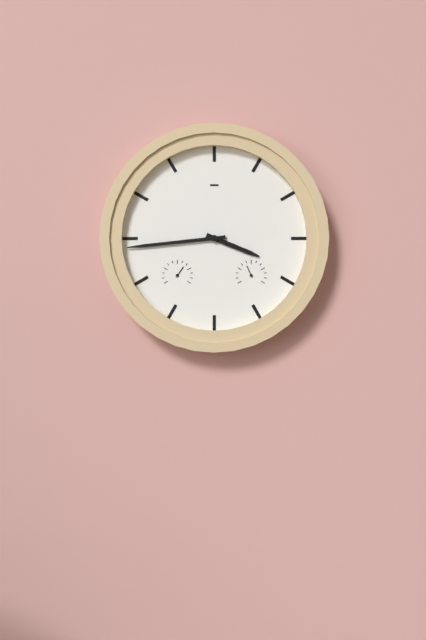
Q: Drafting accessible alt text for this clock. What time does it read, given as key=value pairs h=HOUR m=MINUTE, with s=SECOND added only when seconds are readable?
h=3 m=44
